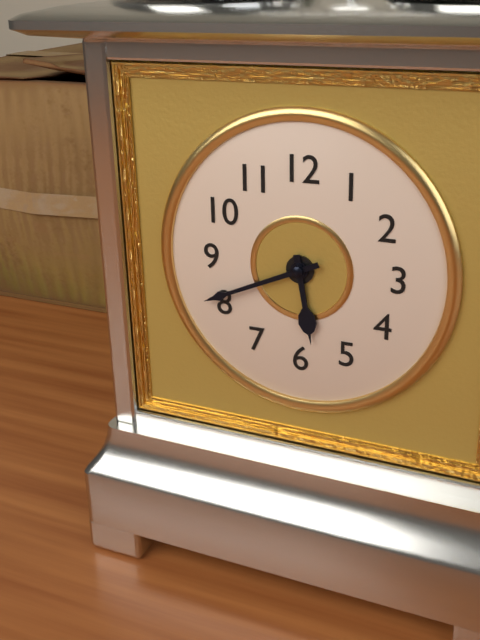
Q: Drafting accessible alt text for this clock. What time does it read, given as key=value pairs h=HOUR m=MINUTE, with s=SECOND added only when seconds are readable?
h=5 m=41
